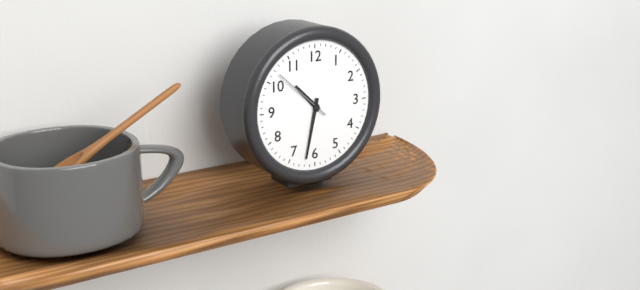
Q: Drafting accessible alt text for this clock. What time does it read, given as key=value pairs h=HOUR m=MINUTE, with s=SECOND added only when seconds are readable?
h=10 m=32 s=52
